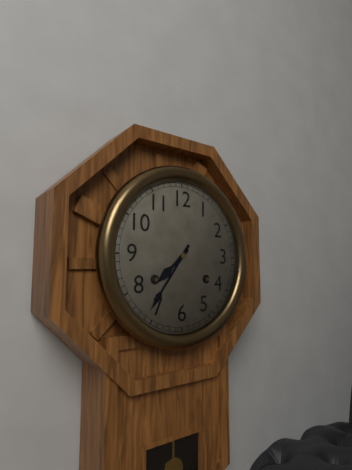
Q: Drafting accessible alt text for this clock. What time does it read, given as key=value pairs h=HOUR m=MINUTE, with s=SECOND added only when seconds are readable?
h=7 m=36
